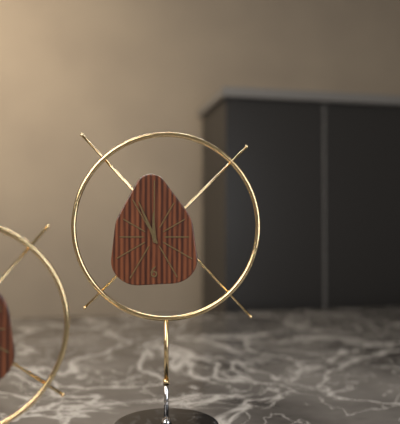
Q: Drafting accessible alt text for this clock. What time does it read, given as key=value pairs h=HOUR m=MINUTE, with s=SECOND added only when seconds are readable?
h=11 m=56
